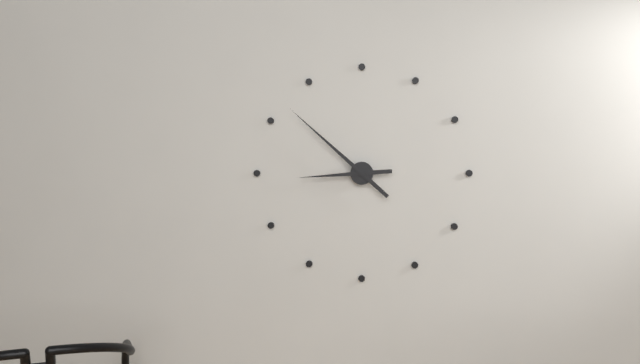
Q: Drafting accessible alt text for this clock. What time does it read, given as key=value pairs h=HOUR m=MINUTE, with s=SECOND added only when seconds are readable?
h=8 m=52
